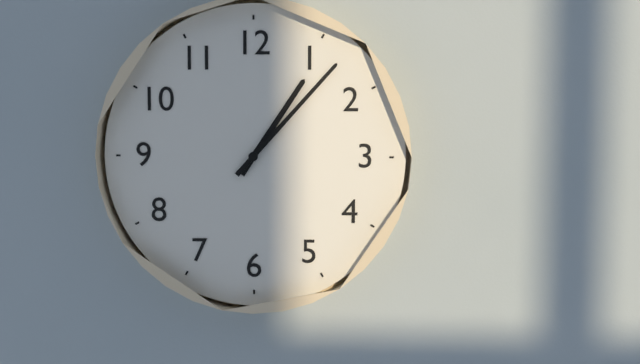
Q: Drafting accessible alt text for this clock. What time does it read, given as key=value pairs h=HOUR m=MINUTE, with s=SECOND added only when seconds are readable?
h=1 m=7
